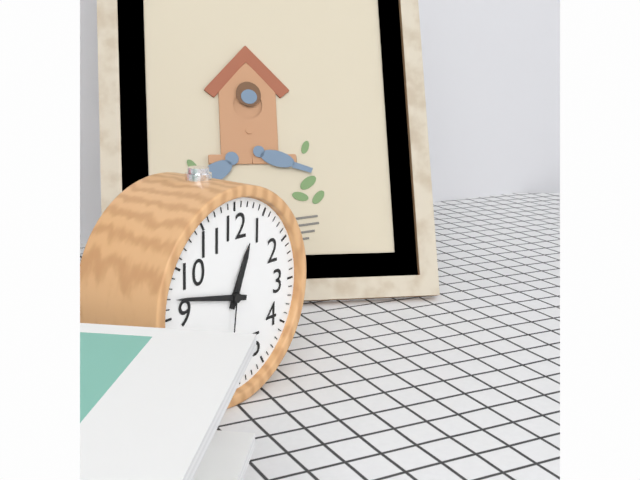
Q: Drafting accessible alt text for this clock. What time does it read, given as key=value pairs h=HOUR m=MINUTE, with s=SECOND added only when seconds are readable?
h=12 m=47
